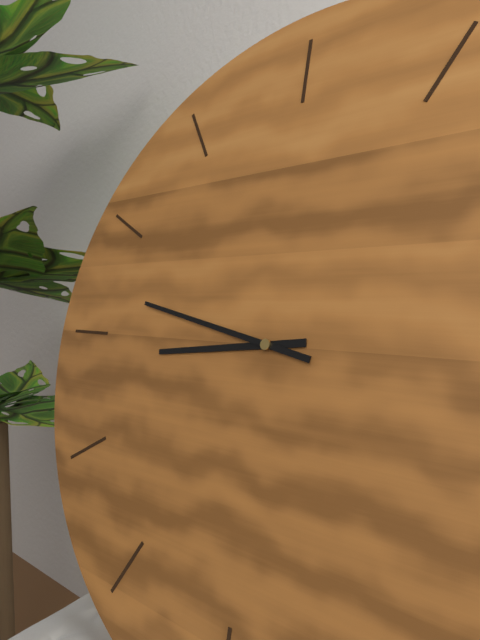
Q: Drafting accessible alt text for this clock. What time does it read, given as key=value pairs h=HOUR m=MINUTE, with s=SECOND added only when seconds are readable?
h=8 m=47
